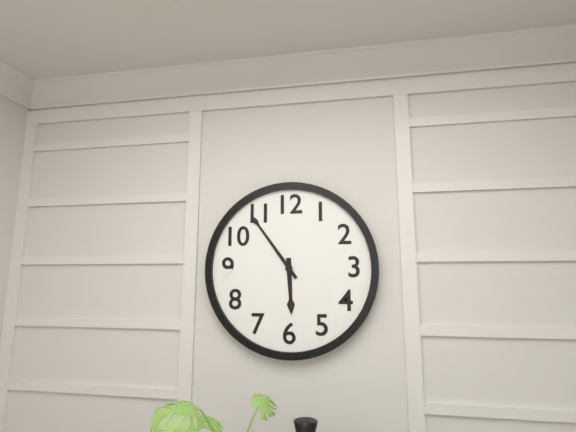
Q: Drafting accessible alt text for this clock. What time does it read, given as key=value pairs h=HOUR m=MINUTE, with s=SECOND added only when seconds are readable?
h=5 m=54
